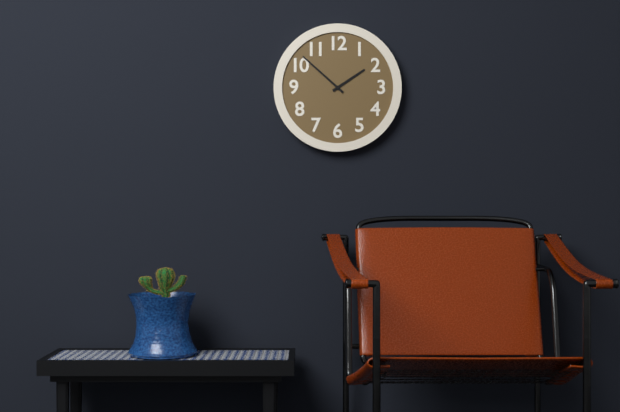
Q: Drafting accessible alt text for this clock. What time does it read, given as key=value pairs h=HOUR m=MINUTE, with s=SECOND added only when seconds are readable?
h=1 m=52
